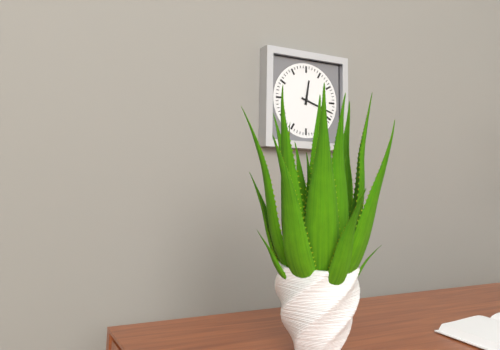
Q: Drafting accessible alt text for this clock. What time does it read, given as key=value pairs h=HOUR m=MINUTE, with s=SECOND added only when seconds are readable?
h=12 m=18
